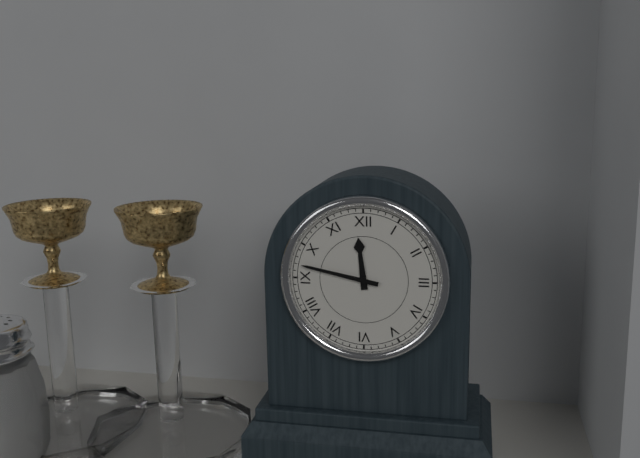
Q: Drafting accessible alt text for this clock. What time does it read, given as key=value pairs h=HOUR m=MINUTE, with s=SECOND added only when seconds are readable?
h=11 m=47
